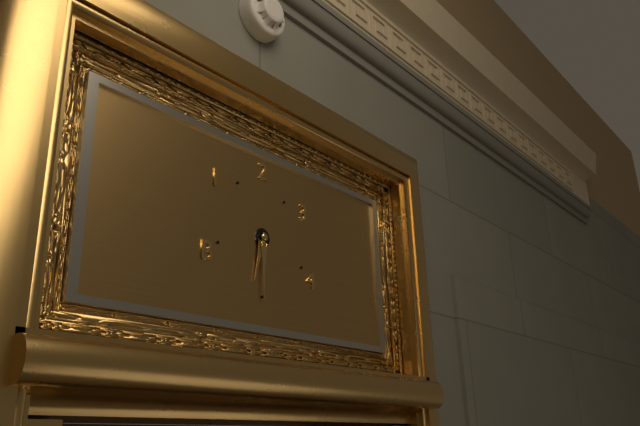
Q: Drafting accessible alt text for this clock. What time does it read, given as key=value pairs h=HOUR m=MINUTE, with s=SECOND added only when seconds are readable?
h=6 m=30
